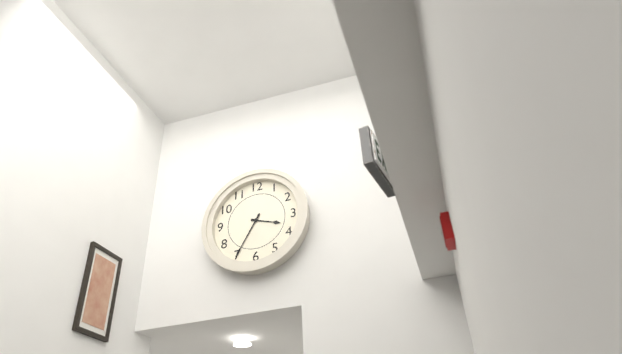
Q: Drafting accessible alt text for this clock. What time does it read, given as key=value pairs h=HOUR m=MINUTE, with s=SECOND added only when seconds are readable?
h=3 m=35
